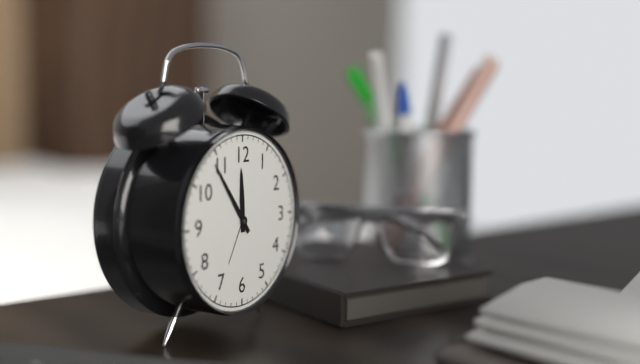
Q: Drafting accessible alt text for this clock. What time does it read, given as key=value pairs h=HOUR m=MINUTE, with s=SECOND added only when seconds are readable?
h=11 m=54
